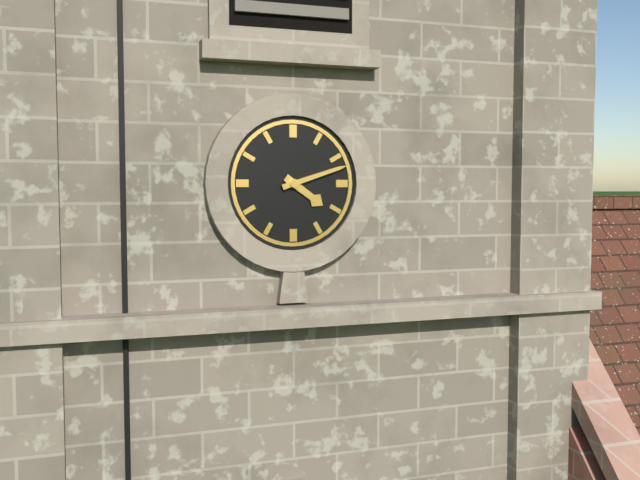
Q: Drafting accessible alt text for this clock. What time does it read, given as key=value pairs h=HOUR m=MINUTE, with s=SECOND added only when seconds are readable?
h=4 m=12
